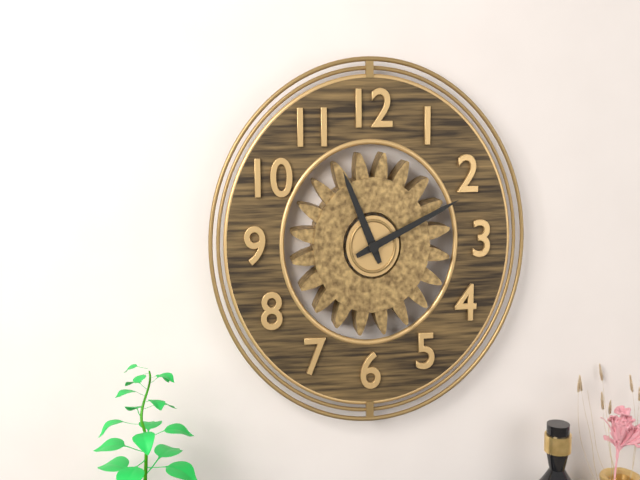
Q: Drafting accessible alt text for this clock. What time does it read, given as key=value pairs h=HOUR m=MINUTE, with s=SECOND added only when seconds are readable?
h=11 m=11
